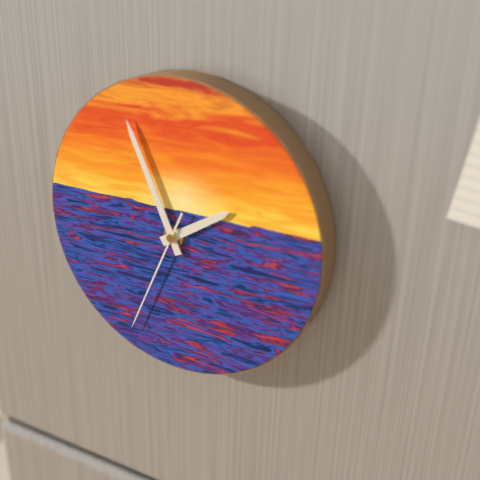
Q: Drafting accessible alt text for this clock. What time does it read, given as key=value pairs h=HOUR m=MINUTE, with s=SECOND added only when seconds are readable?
h=1 m=56 s=34
